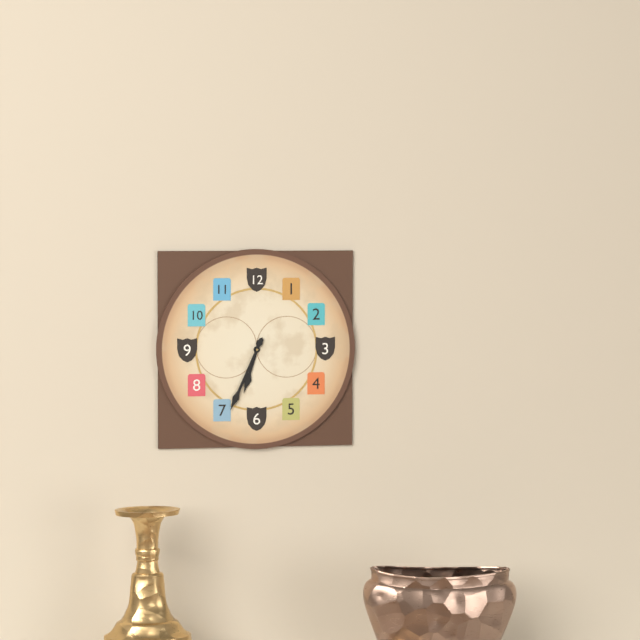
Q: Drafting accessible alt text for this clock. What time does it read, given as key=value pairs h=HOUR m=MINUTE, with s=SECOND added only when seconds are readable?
h=6 m=34
